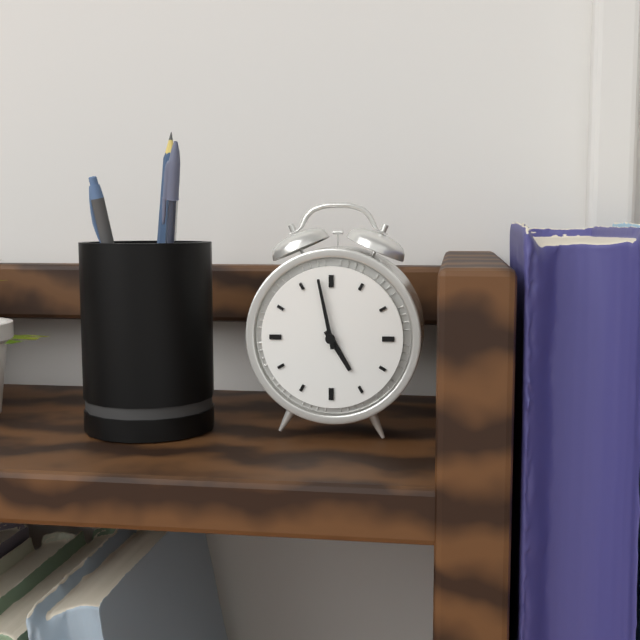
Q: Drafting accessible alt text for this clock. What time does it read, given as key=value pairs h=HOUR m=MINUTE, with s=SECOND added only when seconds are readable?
h=4 m=58
